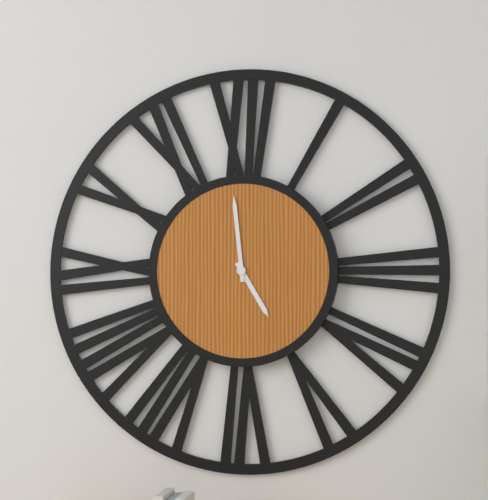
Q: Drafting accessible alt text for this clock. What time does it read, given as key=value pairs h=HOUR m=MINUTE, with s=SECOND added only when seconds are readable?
h=4 m=59
